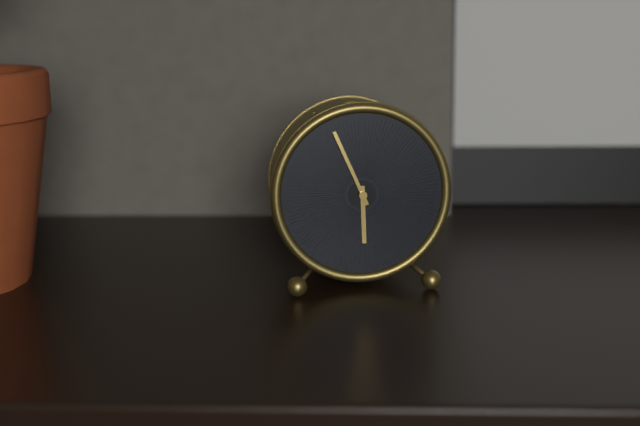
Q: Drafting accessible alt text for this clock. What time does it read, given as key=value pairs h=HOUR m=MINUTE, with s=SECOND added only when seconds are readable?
h=5 m=56
